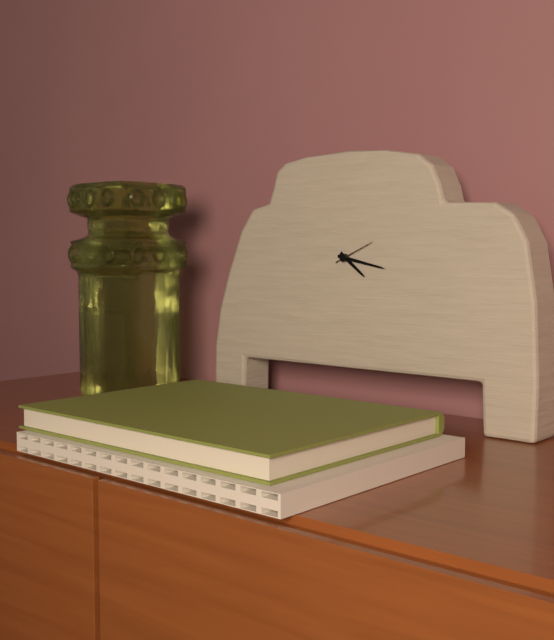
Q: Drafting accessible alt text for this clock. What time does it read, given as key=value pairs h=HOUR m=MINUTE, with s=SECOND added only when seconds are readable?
h=4 m=17
